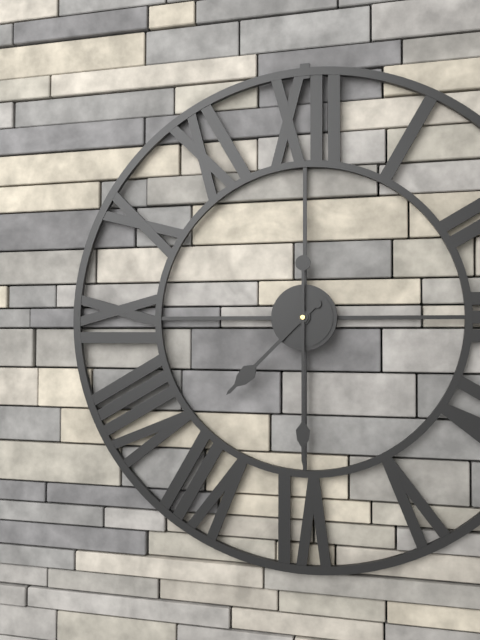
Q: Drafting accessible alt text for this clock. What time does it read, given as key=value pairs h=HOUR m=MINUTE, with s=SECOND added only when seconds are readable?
h=7 m=30
